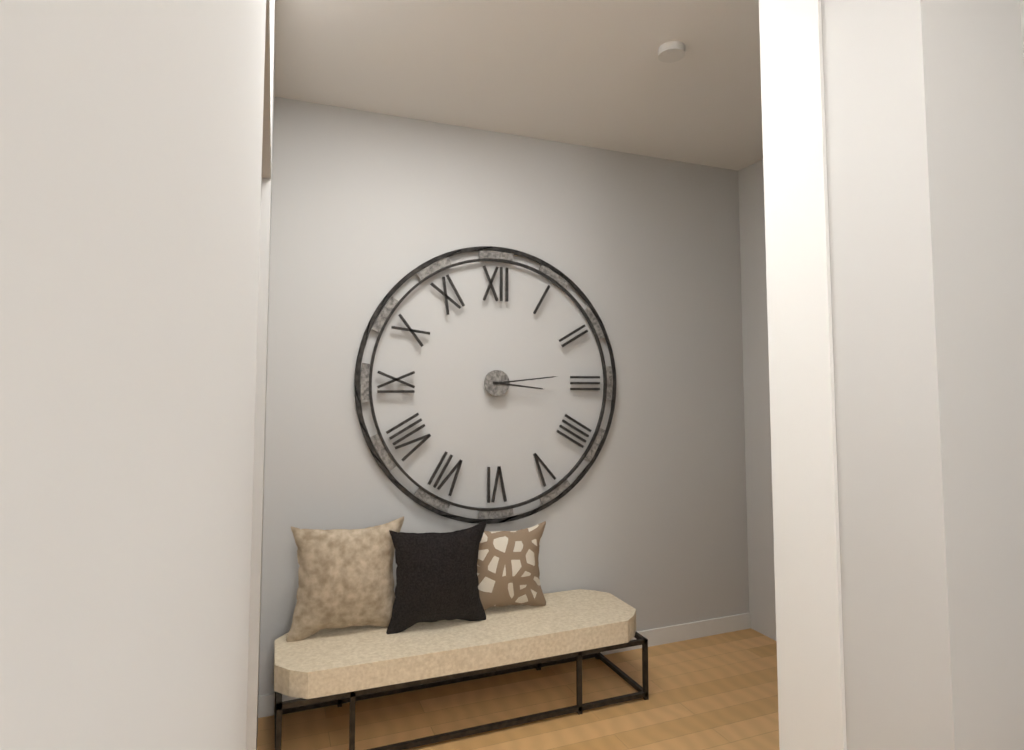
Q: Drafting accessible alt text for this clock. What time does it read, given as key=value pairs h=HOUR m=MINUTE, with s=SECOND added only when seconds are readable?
h=3 m=14
